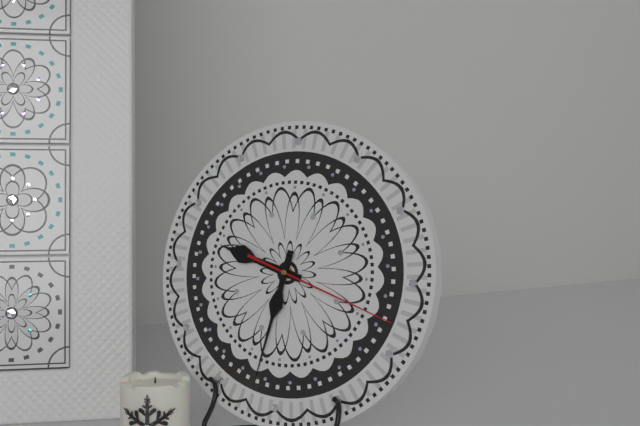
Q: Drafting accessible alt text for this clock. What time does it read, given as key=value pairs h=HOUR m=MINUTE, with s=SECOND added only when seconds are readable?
h=9 m=32 s=18
